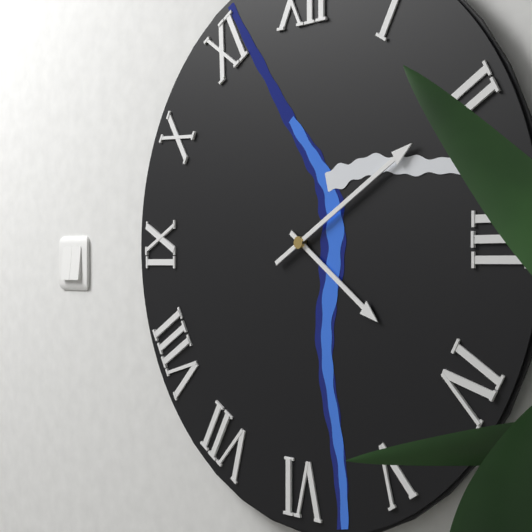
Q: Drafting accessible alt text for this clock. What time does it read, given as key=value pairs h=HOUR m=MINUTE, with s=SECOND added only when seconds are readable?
h=4 m=10
